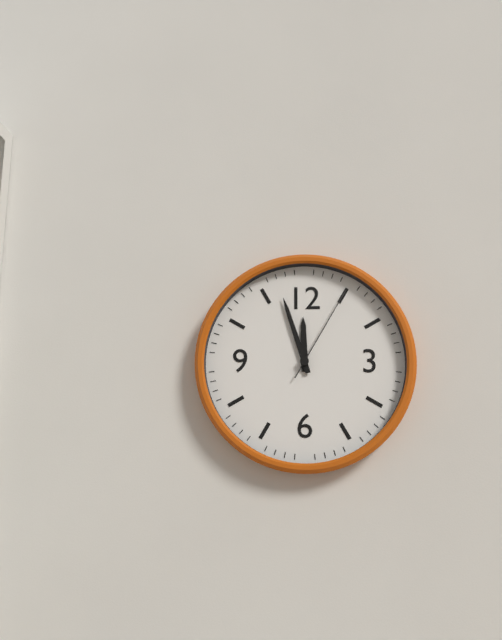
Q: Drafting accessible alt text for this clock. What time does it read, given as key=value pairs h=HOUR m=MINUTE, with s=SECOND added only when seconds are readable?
h=11 m=57 s=5
